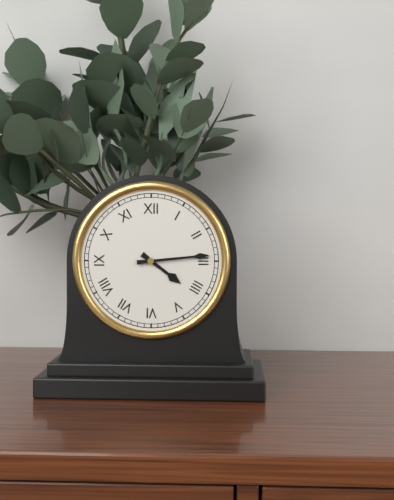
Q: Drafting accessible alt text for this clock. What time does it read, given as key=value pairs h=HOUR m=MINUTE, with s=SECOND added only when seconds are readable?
h=4 m=14
